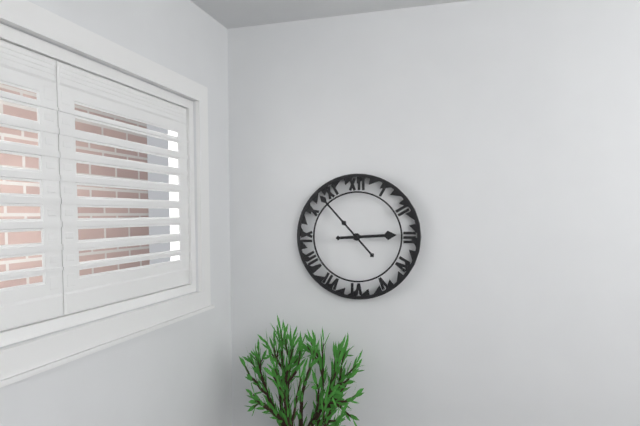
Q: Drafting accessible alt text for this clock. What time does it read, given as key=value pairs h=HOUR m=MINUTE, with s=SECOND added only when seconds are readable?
h=2 m=53
